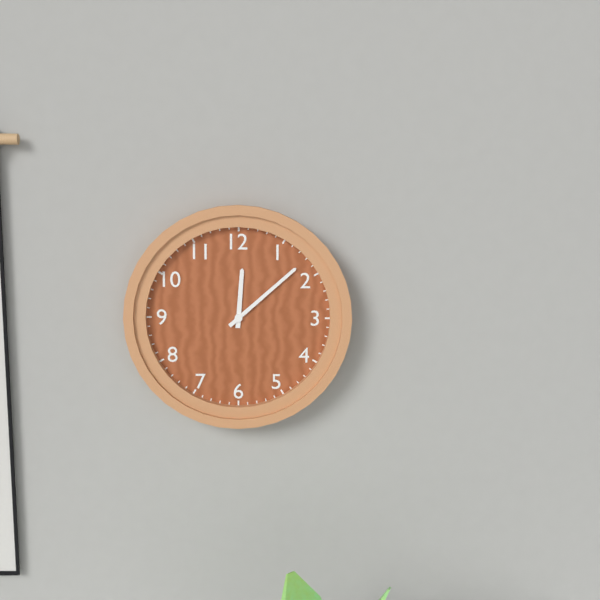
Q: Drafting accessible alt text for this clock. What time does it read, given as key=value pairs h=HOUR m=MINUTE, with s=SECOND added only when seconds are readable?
h=12 m=8
